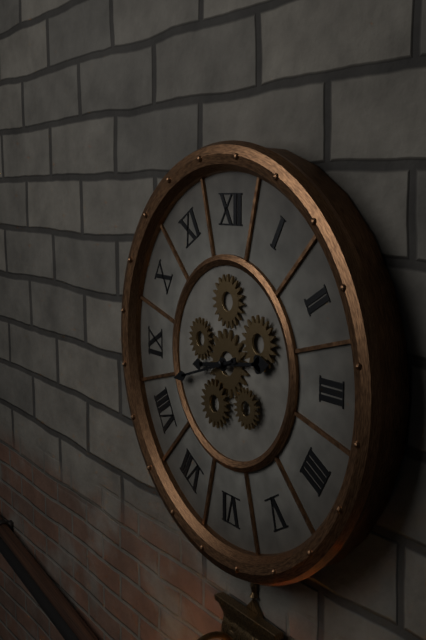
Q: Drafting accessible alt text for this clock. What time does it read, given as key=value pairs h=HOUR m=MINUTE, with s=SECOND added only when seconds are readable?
h=2 m=42
